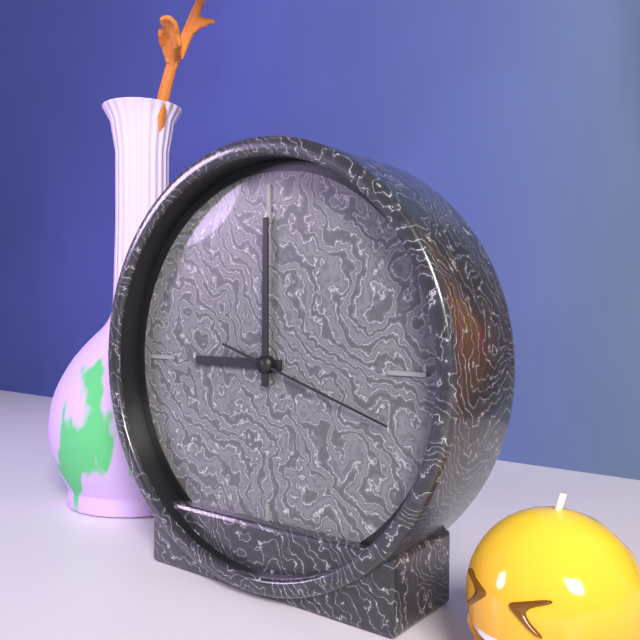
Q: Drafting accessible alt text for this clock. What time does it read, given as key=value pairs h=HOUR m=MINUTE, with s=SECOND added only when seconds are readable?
h=9 m=0 s=18
